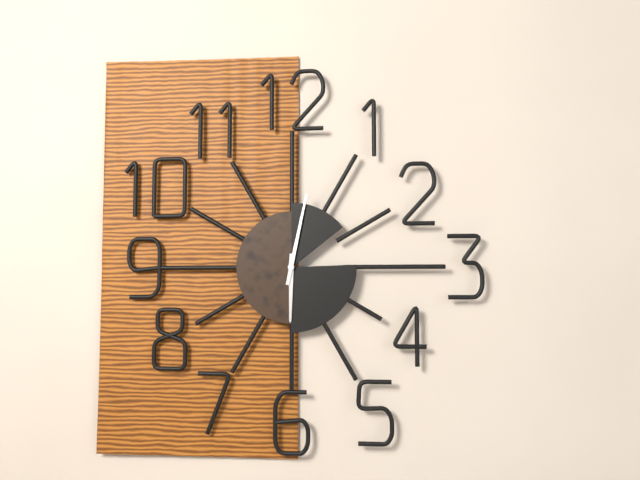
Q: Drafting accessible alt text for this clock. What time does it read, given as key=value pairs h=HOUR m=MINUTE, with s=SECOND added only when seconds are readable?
h=6 m=2
